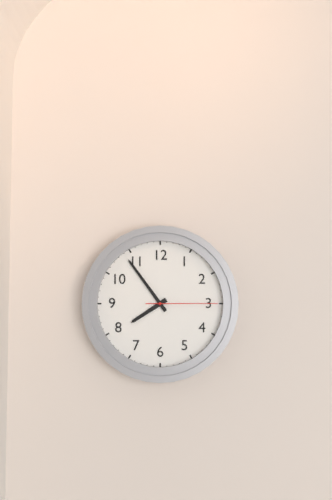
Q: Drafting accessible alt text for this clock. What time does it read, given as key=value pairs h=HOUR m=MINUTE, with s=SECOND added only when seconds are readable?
h=7 m=54 s=15
